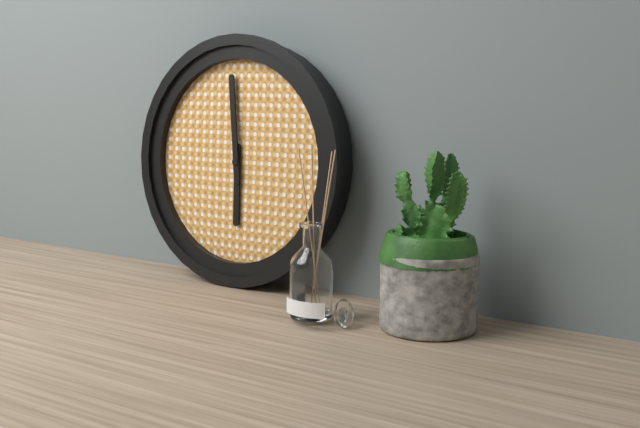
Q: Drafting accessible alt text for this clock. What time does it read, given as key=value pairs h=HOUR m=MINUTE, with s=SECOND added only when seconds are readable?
h=5 m=59
